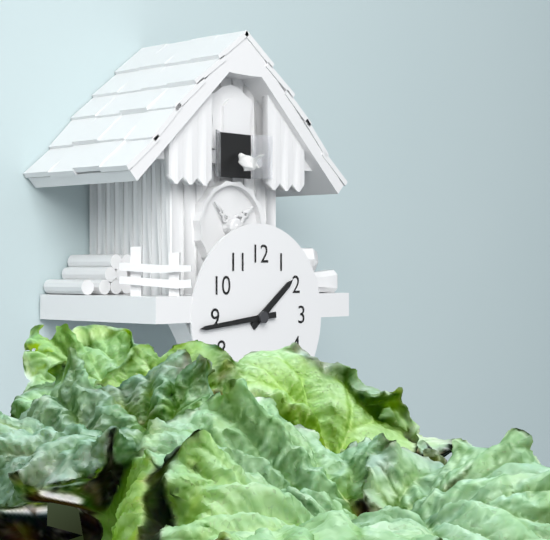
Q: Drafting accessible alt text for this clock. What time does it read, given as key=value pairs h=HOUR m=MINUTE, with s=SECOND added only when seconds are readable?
h=1 m=44
